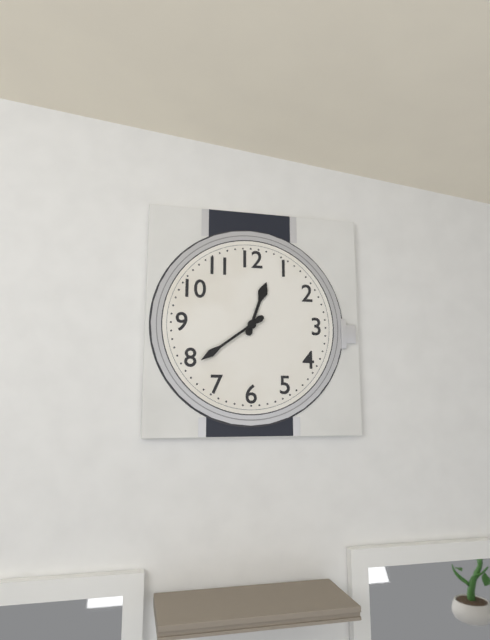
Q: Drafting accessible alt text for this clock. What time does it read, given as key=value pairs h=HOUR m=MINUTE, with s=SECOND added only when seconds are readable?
h=12 m=39
